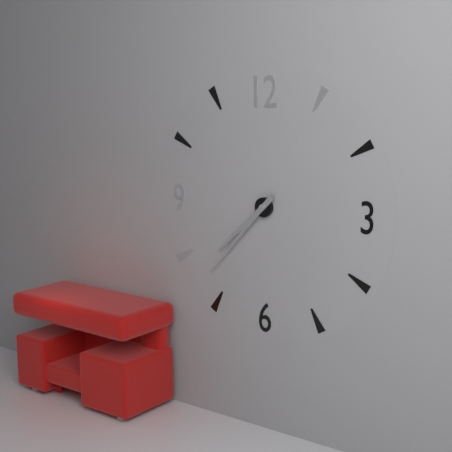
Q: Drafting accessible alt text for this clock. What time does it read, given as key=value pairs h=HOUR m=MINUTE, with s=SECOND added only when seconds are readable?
h=7 m=37
